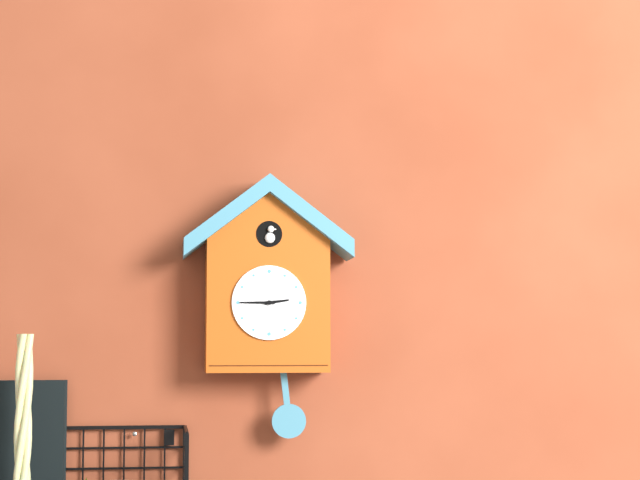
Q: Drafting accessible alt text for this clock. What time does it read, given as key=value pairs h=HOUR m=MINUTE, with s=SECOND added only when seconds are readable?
h=2 m=45
